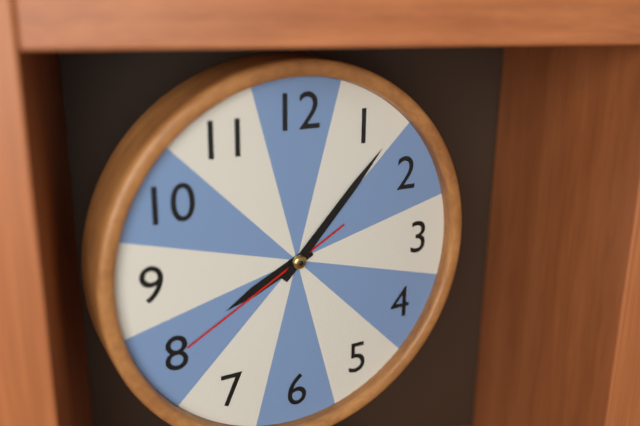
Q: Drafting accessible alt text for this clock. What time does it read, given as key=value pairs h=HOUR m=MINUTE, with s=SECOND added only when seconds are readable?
h=8 m=7 s=40
